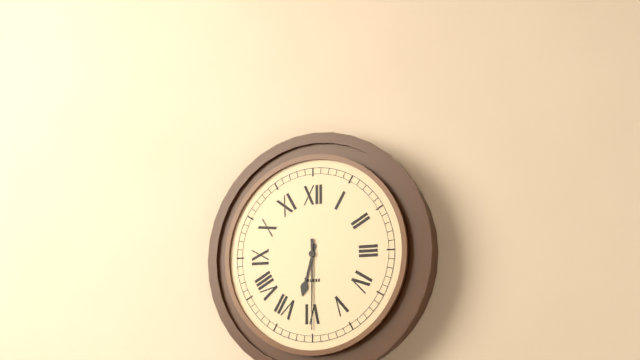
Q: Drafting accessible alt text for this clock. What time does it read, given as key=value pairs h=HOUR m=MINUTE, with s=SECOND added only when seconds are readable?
h=6 m=30
